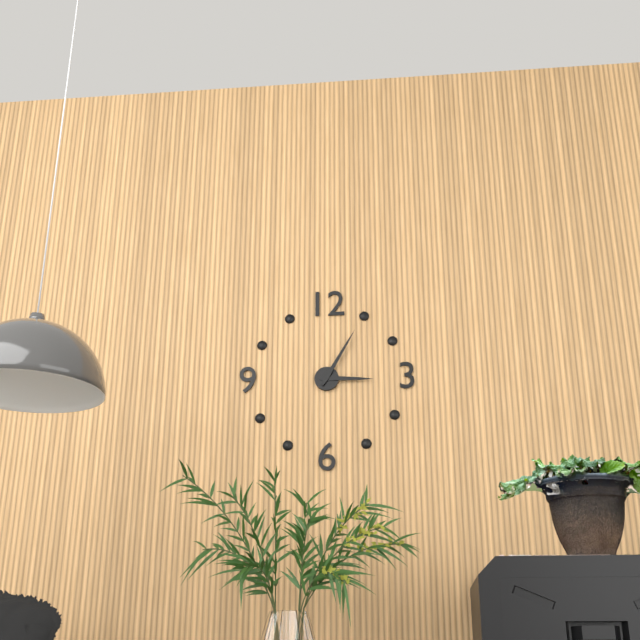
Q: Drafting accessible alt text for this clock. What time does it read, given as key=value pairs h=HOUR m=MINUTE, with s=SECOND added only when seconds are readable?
h=3 m=5
